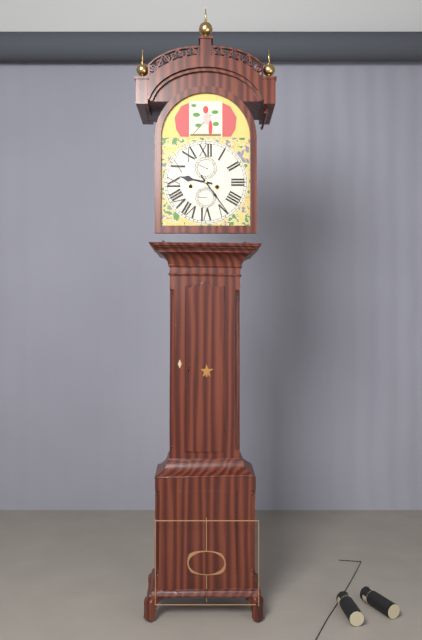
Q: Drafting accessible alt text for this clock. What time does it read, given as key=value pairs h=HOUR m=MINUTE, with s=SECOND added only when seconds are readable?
h=9 m=24
